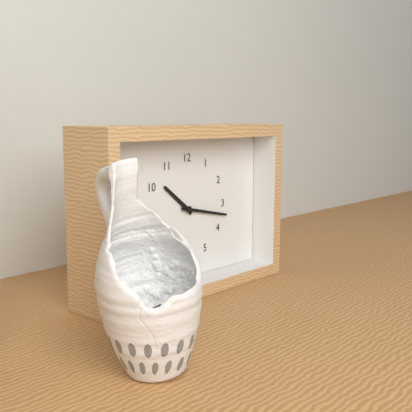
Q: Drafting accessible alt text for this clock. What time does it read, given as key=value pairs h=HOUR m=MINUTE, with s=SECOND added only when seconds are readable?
h=10 m=17
